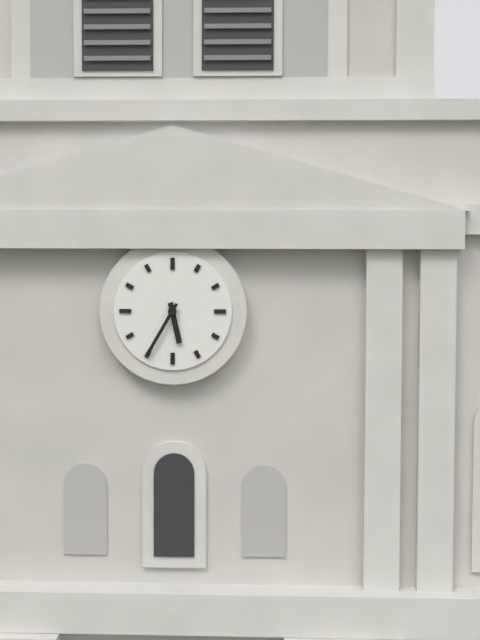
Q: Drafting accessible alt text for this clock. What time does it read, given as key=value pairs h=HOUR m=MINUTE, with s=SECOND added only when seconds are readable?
h=5 m=35
